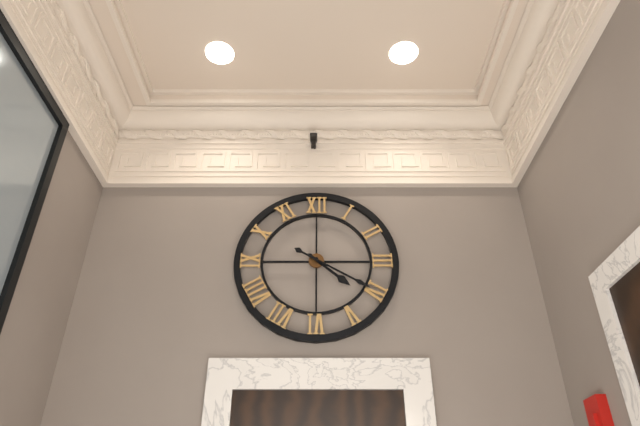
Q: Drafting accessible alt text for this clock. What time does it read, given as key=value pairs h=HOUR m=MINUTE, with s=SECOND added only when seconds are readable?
h=4 m=20
